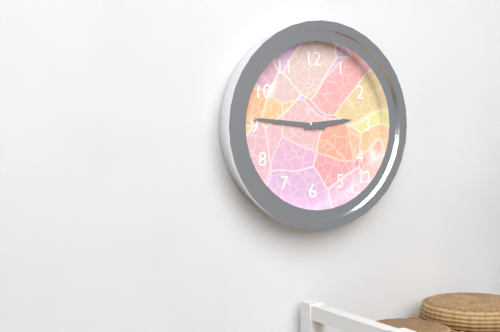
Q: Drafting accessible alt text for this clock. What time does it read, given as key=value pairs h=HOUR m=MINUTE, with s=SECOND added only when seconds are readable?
h=2 m=46
